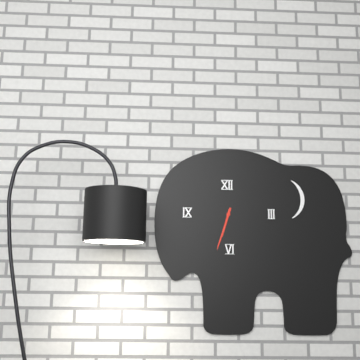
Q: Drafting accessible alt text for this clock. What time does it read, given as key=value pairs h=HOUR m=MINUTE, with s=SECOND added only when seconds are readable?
h=6 m=33
